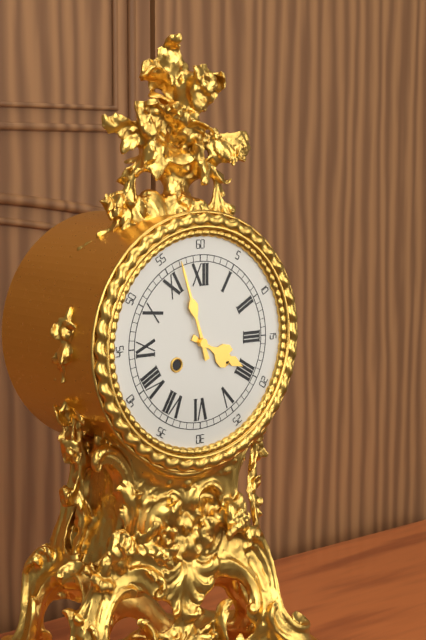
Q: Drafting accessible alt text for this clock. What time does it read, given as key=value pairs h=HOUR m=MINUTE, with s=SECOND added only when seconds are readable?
h=3 m=57
